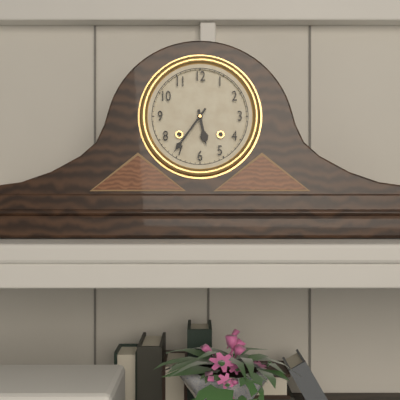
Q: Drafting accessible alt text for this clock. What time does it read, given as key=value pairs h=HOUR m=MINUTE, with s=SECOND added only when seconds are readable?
h=5 m=36
